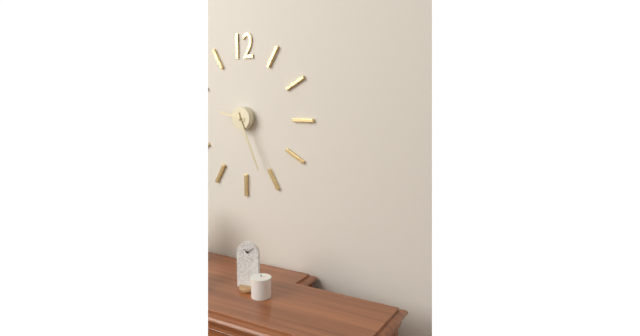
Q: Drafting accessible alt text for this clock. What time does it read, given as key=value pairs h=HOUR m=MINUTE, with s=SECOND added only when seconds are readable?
h=9 m=26
